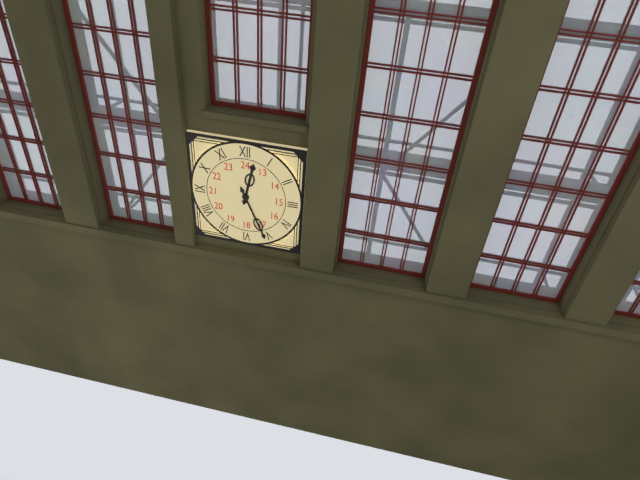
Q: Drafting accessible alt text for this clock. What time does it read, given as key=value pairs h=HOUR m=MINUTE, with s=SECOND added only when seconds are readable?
h=12 m=26
